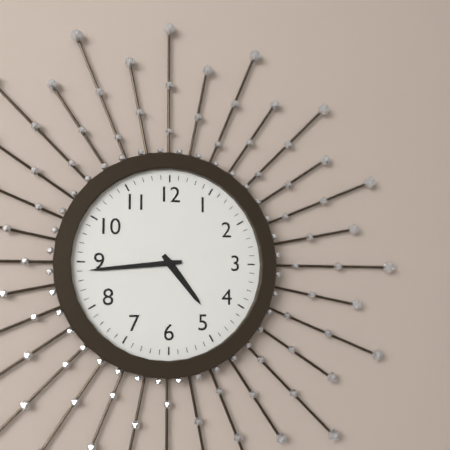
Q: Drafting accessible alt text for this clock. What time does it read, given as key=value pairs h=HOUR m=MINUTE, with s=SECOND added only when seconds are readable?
h=4 m=44
